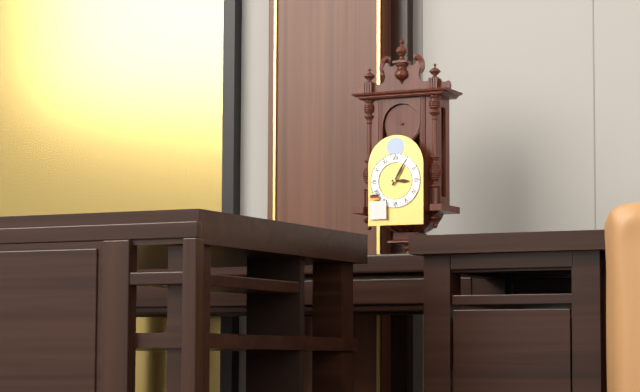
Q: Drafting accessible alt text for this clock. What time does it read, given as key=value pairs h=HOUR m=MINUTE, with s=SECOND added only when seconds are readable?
h=3 m=5
